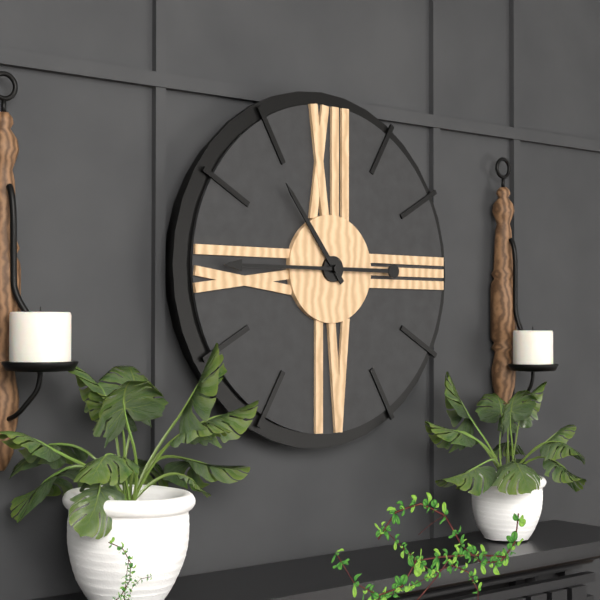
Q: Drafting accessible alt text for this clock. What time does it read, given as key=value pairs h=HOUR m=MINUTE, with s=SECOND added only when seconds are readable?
h=10 m=45
